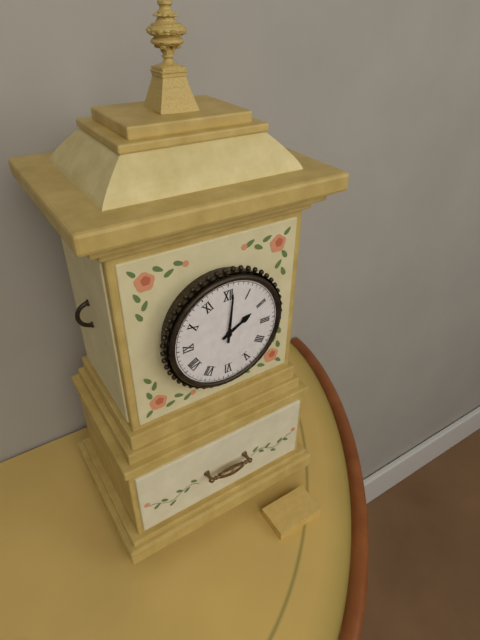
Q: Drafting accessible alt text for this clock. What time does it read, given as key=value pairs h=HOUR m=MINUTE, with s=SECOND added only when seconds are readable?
h=2 m=1
